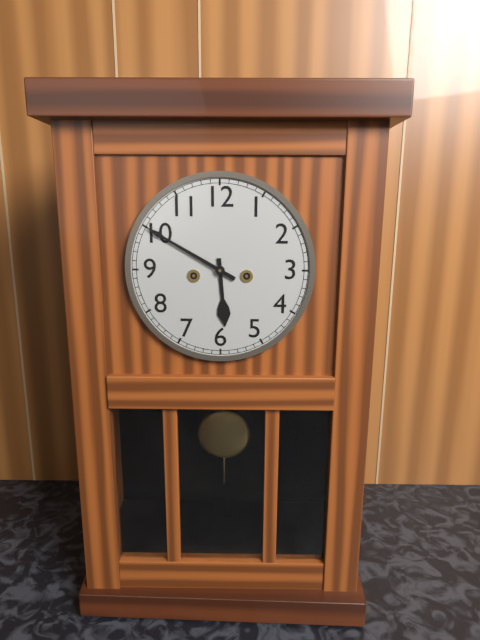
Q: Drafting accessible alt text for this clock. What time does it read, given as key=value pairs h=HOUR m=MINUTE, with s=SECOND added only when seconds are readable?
h=5 m=50
